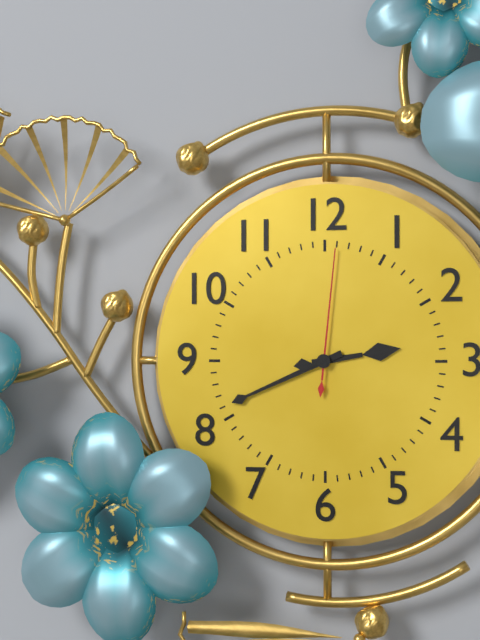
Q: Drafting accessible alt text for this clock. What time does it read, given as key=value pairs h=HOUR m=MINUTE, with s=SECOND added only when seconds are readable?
h=2 m=41 s=1
